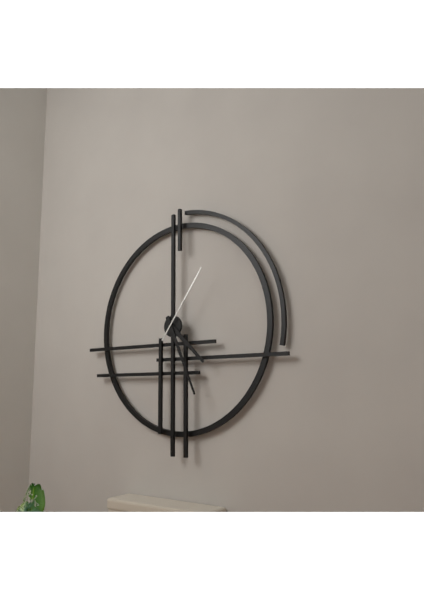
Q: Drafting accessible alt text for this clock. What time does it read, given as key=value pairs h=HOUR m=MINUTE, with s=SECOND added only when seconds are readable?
h=4 m=26 s=6
